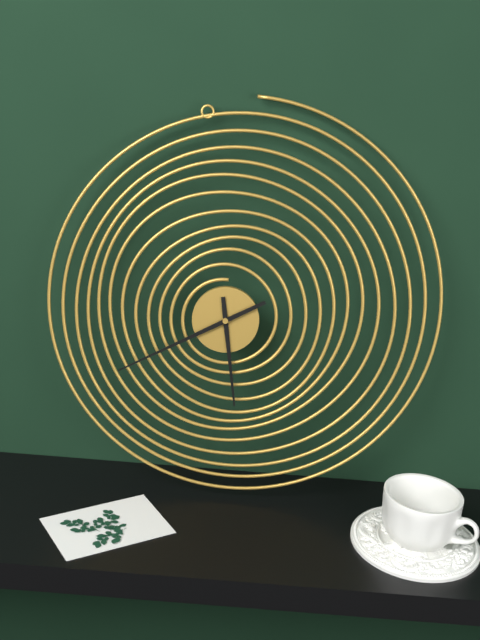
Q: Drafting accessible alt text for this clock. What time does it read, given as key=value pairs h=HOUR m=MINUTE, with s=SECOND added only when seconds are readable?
h=5 m=40
